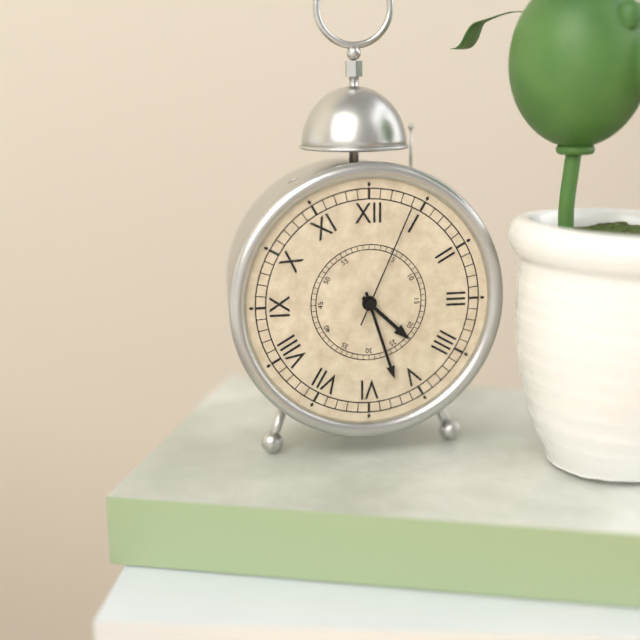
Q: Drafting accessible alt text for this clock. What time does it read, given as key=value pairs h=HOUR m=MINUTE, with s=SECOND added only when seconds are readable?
h=4 m=27 s=4
